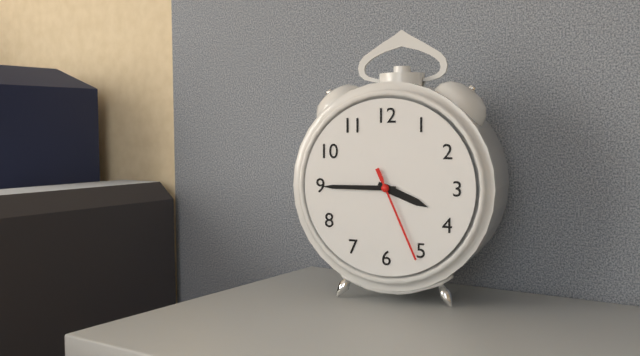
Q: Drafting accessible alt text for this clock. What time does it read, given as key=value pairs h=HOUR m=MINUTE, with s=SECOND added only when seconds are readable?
h=3 m=45 s=26
